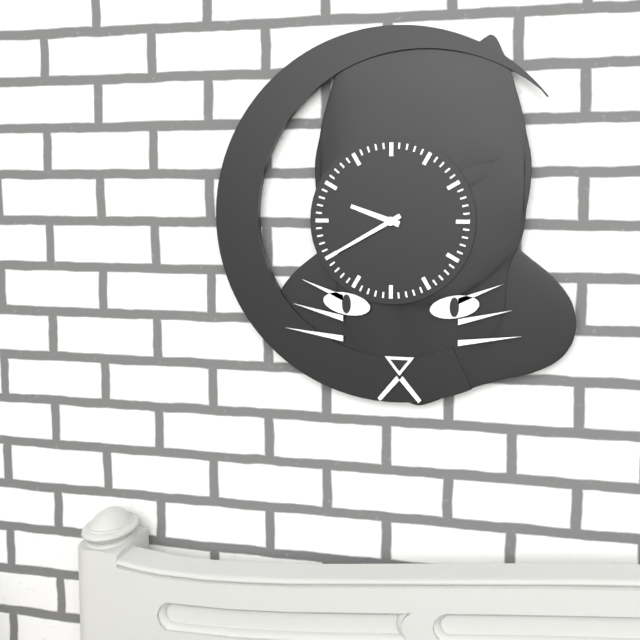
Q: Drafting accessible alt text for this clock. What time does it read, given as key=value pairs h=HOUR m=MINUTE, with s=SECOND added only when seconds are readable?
h=9 m=40
